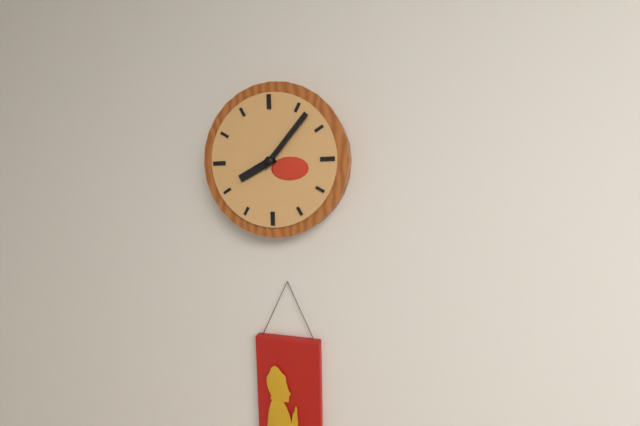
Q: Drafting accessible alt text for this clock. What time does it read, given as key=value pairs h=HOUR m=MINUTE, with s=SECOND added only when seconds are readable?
h=8 m=7
